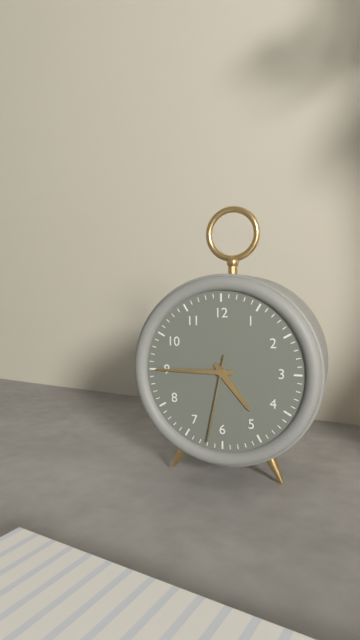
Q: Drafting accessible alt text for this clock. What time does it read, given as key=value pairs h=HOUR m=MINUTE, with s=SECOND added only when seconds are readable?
h=4 m=45 s=32
